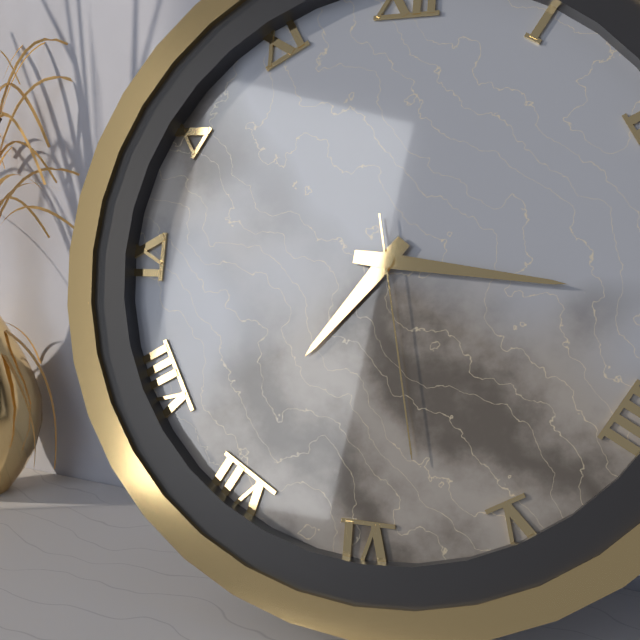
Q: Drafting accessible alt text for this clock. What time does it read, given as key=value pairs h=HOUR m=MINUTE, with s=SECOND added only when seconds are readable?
h=7 m=16 s=28
